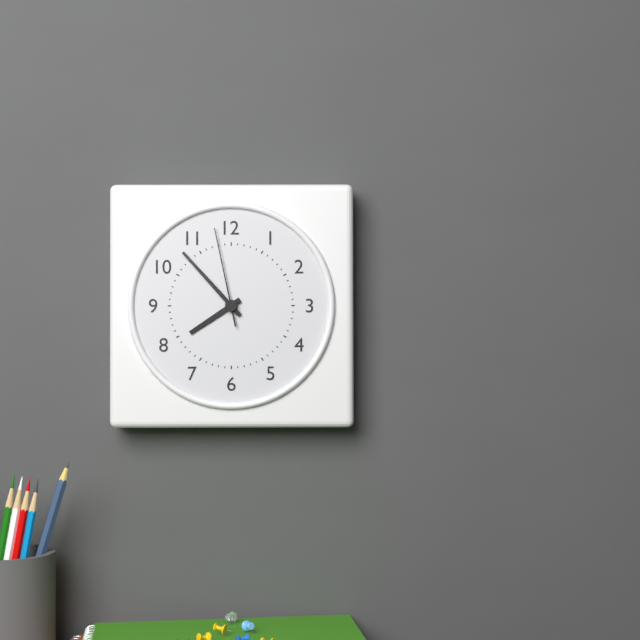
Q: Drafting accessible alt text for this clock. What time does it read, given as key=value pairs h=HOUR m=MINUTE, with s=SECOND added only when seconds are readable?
h=7 m=53 s=58
